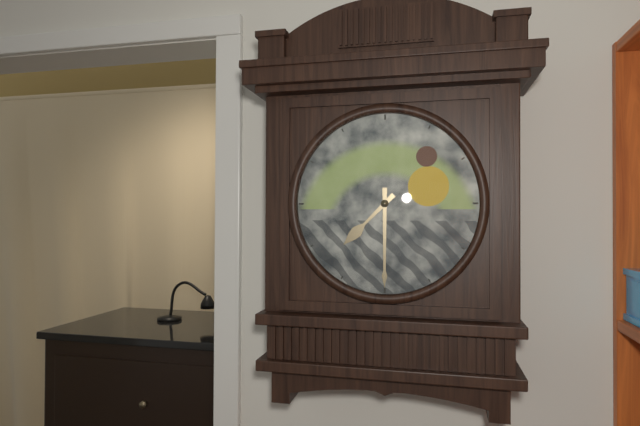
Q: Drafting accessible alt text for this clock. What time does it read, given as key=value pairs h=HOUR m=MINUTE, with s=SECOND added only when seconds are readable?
h=7 m=30
